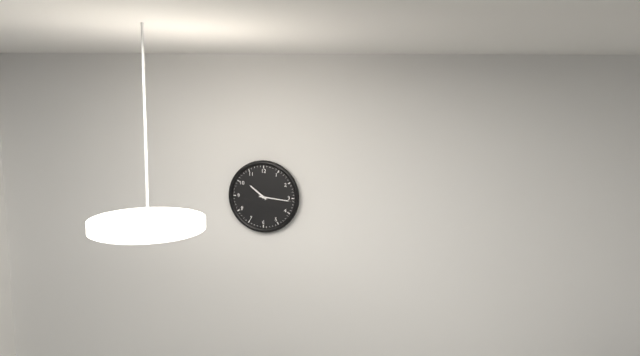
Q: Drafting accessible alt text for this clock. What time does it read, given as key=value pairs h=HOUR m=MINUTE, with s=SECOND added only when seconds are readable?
h=10 m=16
